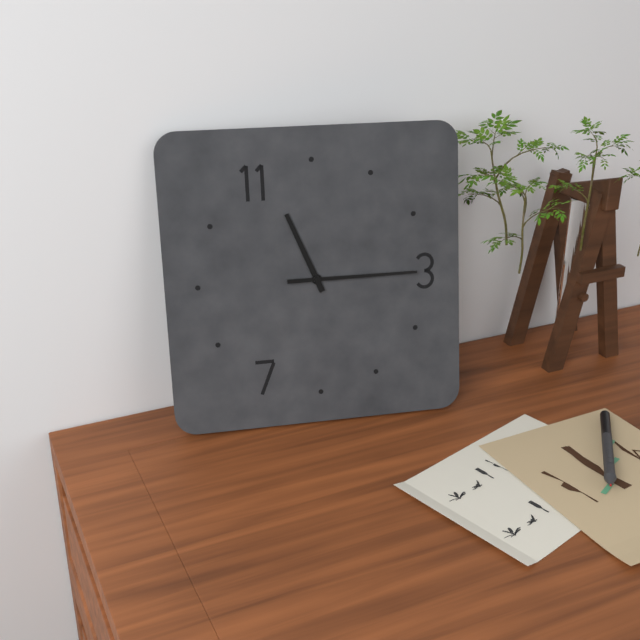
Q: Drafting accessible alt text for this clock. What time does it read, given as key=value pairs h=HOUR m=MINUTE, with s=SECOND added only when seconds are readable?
h=11 m=15
